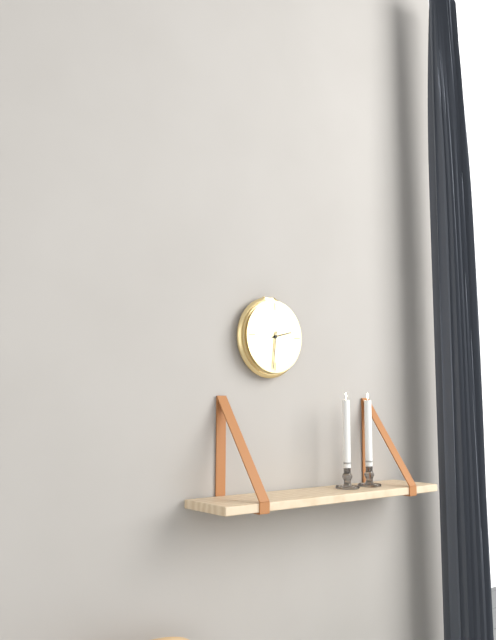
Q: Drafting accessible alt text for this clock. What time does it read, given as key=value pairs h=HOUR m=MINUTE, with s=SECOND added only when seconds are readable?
h=2 m=31
